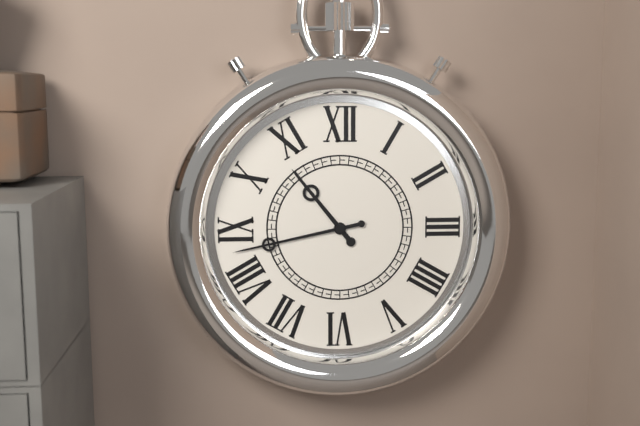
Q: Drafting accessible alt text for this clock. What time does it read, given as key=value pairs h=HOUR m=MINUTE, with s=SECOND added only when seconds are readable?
h=10 m=43
